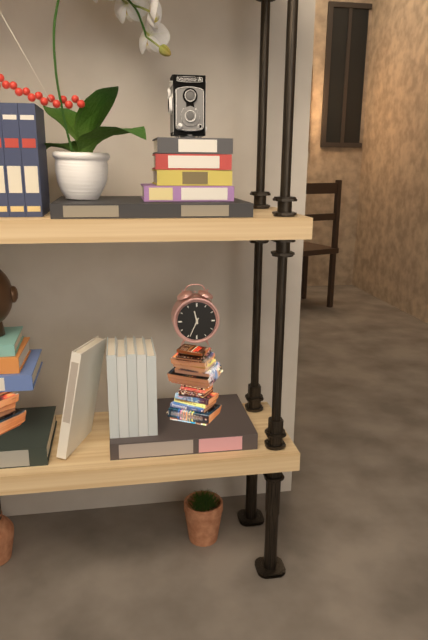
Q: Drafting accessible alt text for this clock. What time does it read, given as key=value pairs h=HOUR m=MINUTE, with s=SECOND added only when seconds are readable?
h=11 m=34
